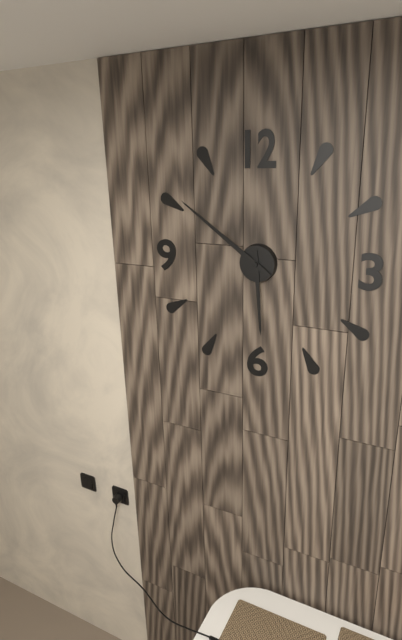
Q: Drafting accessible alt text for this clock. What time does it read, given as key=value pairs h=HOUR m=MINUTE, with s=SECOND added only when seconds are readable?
h=5 m=51
